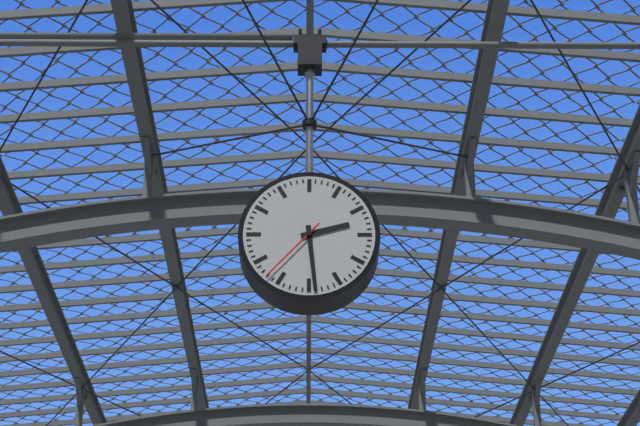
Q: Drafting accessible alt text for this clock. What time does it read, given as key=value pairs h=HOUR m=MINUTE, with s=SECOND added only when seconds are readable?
h=2 m=29 s=37
